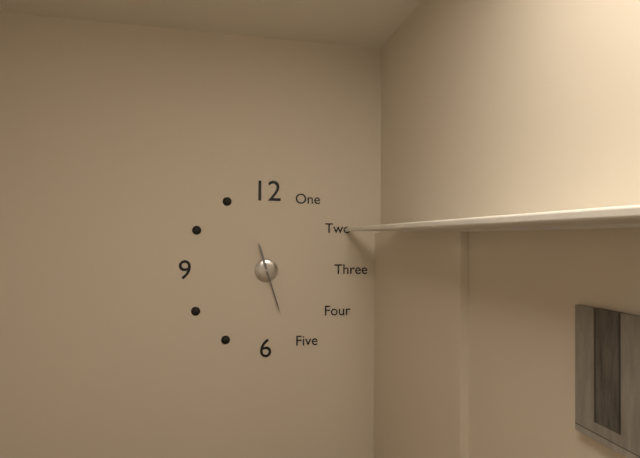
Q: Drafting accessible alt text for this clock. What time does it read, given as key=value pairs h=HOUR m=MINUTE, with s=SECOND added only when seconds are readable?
h=11 m=27
